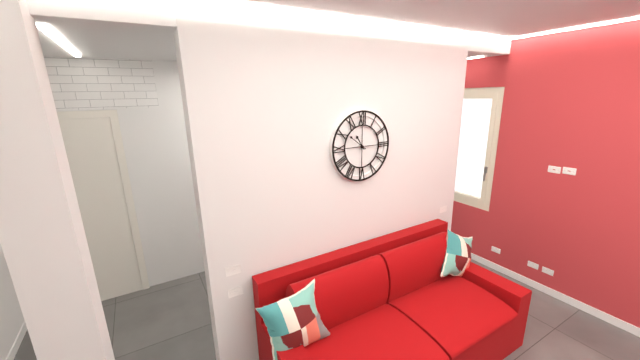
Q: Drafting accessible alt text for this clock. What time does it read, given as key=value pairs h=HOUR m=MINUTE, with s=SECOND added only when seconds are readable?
h=10 m=51
